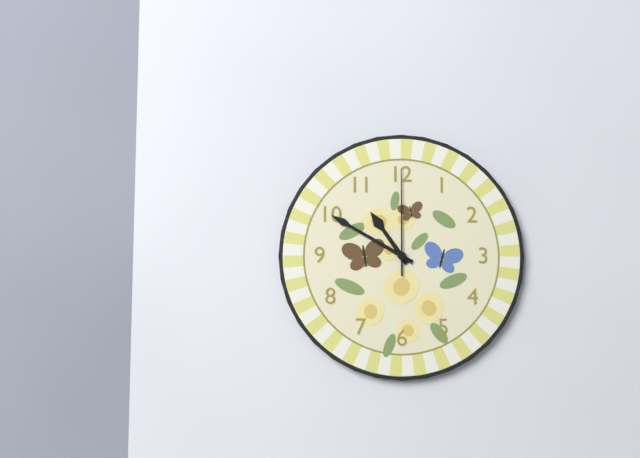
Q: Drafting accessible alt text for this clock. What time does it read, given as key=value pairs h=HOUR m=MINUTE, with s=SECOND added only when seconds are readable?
h=10 m=50 s=0
